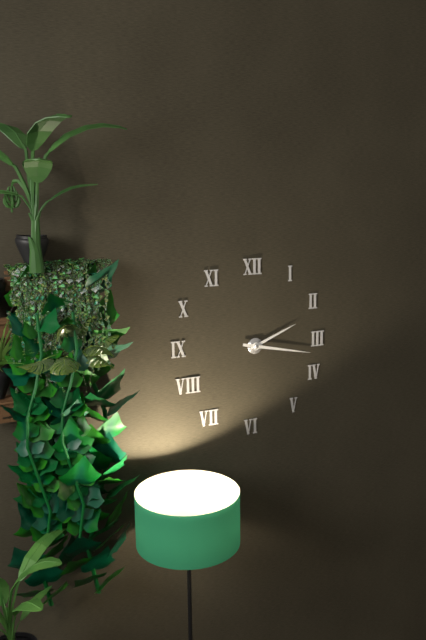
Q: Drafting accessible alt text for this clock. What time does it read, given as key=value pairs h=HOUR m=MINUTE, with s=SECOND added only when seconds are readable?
h=2 m=17
